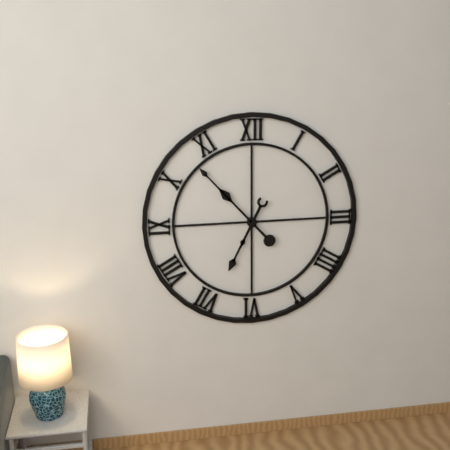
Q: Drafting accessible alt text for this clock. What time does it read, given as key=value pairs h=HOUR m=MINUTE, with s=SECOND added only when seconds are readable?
h=6 m=53
